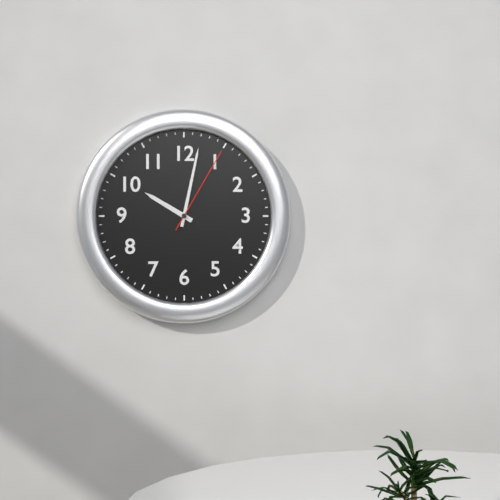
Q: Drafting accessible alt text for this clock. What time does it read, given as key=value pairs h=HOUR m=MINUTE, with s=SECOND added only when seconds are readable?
h=10 m=2 s=5
